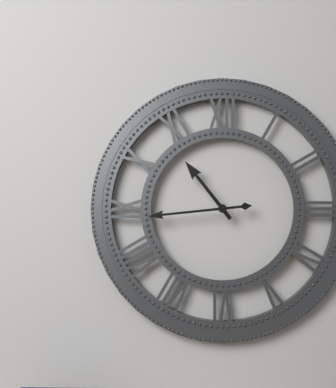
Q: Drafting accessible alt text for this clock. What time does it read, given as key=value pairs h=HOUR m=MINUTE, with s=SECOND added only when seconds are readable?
h=10 m=44
